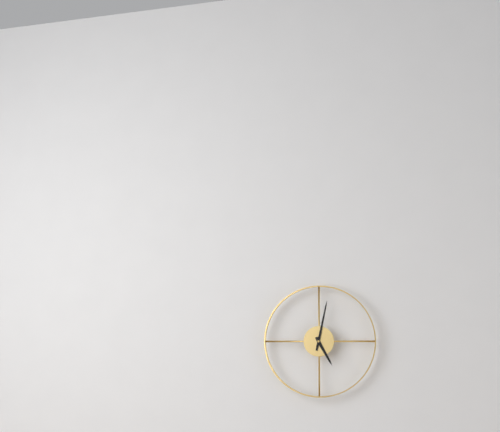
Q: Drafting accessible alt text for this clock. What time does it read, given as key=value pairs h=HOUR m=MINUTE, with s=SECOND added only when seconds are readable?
h=5 m=2
